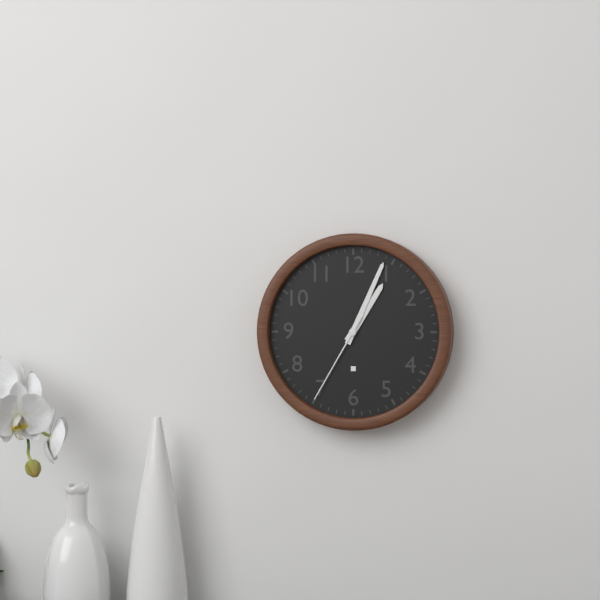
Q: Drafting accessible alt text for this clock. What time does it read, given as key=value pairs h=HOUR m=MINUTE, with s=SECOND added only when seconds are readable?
h=1 m=4 s=35
